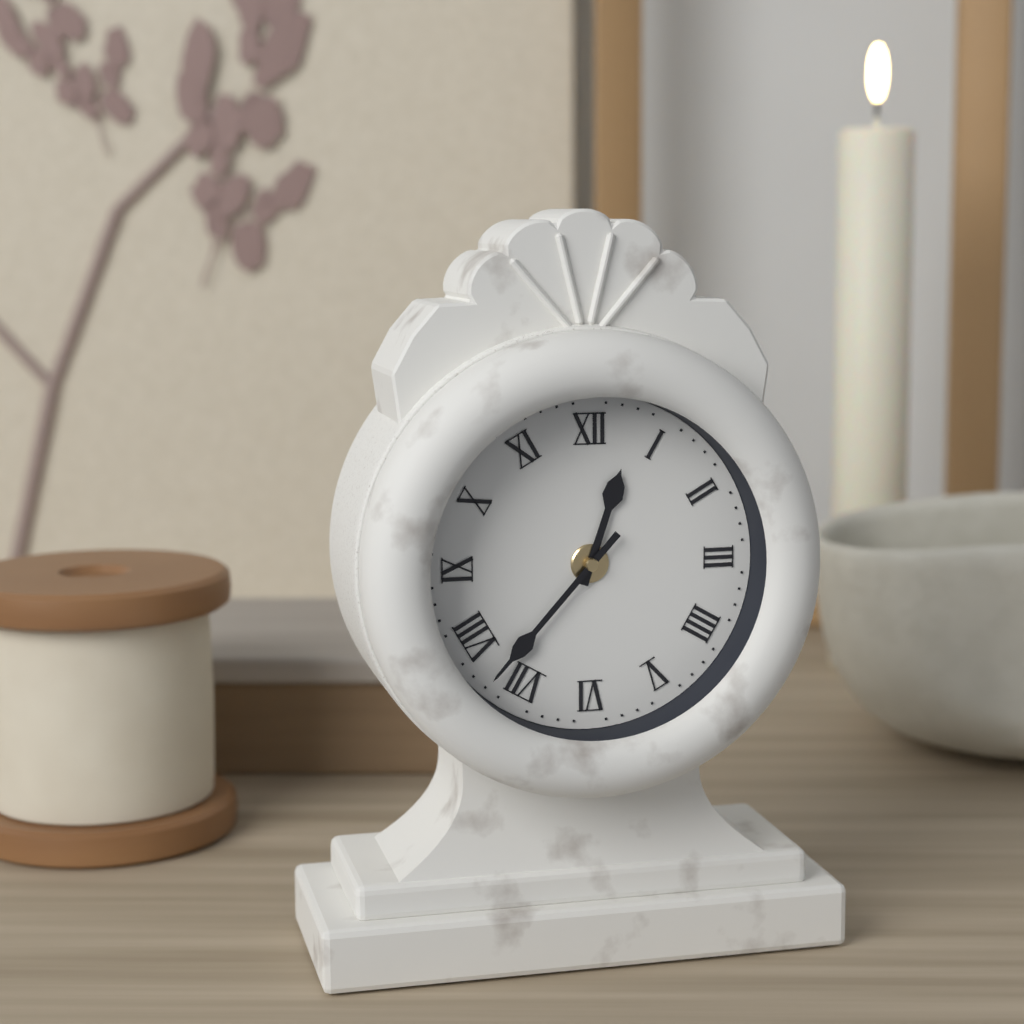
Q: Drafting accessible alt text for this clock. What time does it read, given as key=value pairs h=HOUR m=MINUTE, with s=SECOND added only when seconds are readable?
h=12 m=37
